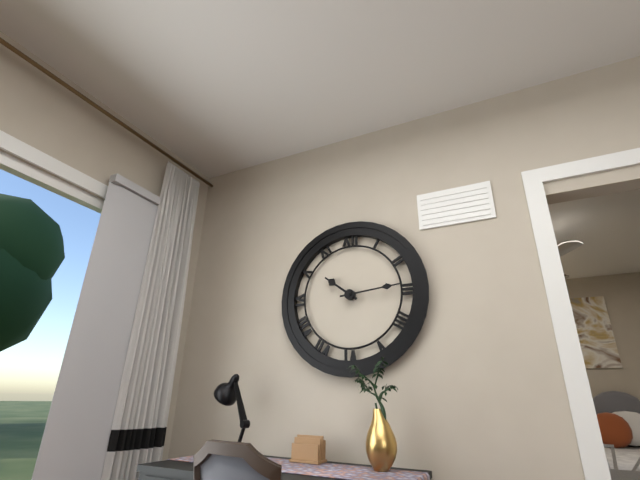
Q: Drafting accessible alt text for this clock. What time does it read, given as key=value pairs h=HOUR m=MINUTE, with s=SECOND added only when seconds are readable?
h=10 m=14
